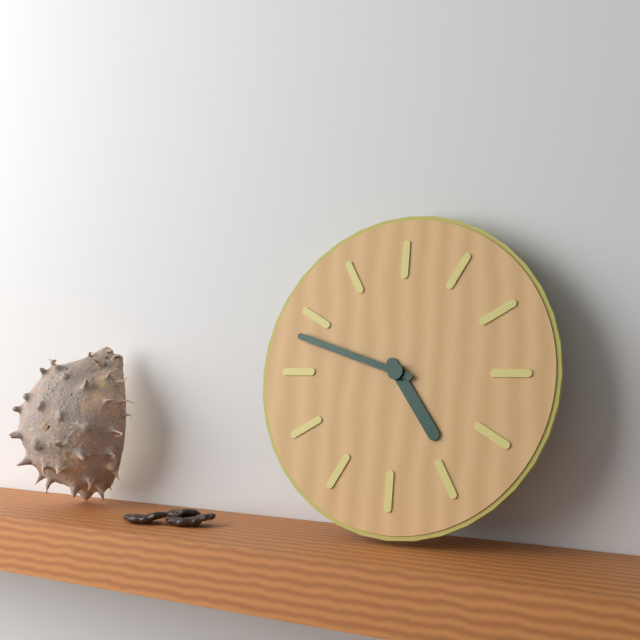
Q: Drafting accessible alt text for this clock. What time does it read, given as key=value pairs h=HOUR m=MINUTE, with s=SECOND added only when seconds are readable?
h=4 m=48
